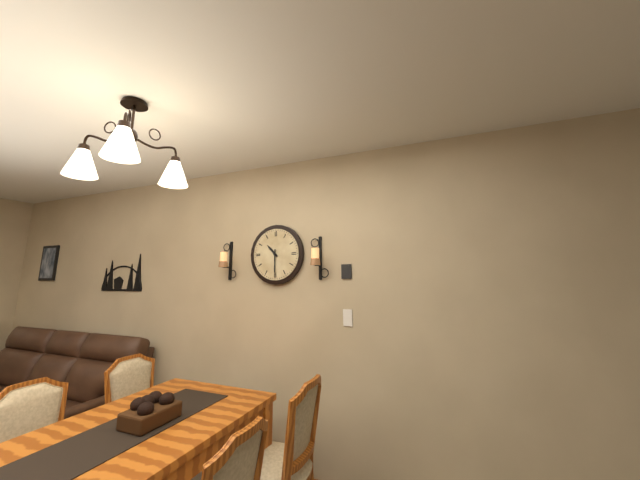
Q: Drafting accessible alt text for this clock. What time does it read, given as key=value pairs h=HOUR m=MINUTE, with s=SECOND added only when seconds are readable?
h=10 m=30
